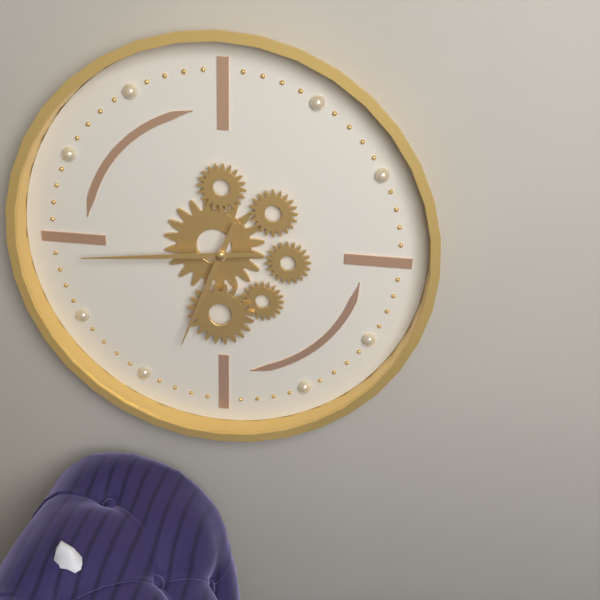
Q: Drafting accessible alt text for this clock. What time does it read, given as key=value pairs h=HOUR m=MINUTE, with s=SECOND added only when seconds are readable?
h=6 m=44
